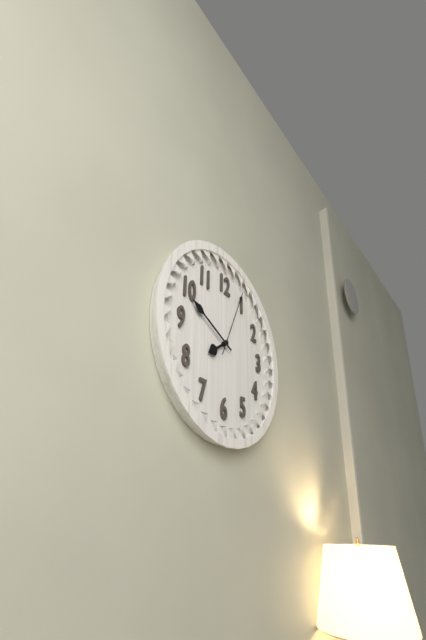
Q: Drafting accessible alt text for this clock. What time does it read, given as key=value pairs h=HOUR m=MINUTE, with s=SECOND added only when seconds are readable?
h=7 m=49 s=4
